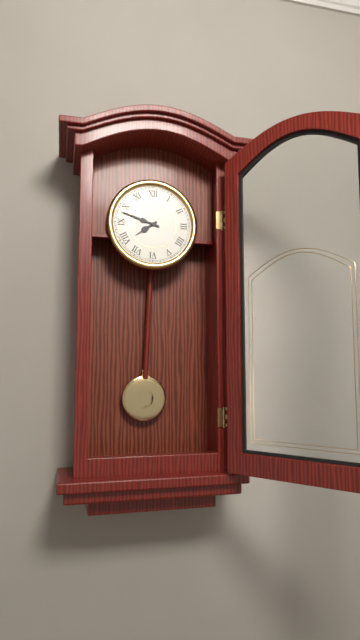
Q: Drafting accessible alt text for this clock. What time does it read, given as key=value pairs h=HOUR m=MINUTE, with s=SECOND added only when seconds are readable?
h=7 m=48
